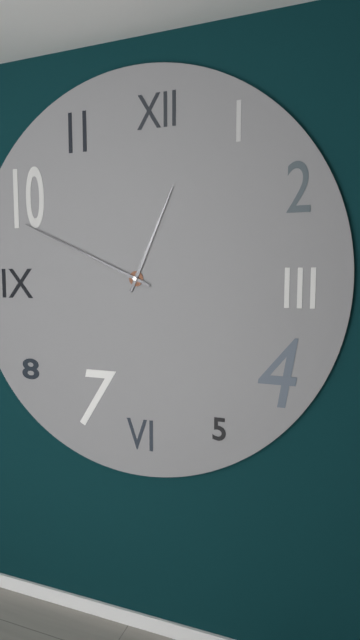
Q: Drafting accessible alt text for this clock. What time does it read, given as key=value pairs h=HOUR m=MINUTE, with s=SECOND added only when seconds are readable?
h=12 m=49
